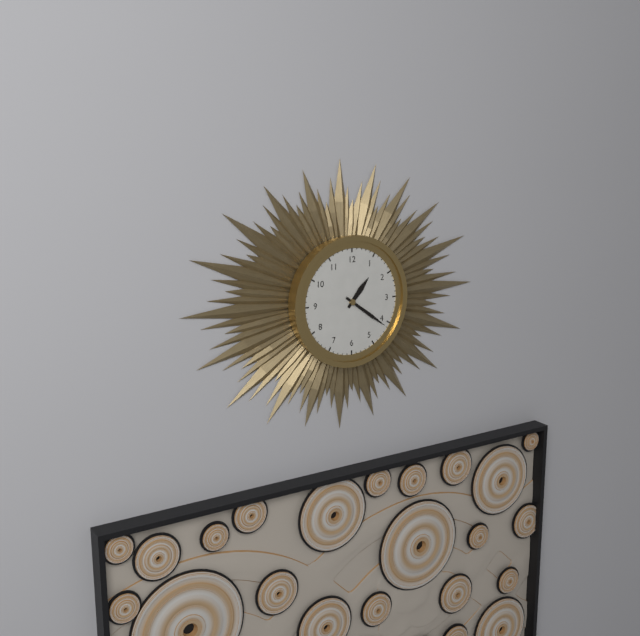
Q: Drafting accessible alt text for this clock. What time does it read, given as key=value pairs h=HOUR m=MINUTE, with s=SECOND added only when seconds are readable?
h=1 m=21
